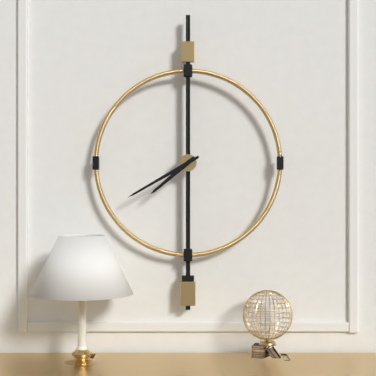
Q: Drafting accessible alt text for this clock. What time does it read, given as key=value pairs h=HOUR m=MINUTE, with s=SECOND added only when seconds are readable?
h=7 m=40
